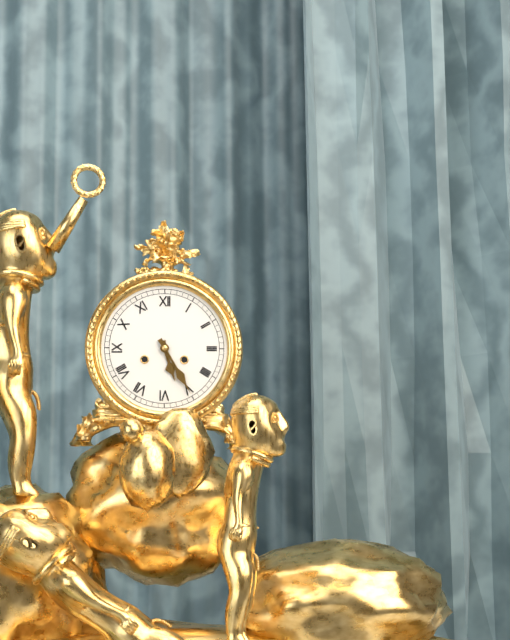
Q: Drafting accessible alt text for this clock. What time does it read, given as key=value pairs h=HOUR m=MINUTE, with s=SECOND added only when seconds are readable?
h=5 m=25
